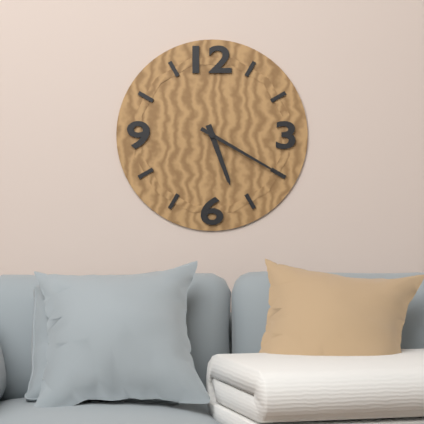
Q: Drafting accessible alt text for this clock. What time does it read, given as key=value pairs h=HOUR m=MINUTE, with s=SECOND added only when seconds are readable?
h=5 m=20
